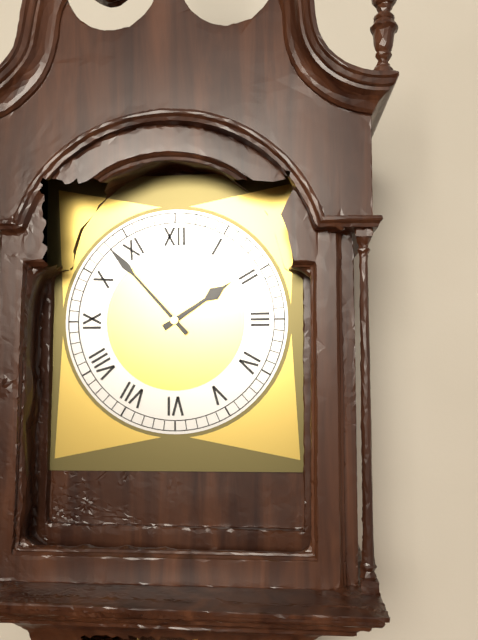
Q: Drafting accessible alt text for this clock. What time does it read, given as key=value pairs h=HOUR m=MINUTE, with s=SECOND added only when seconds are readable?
h=1 m=53
